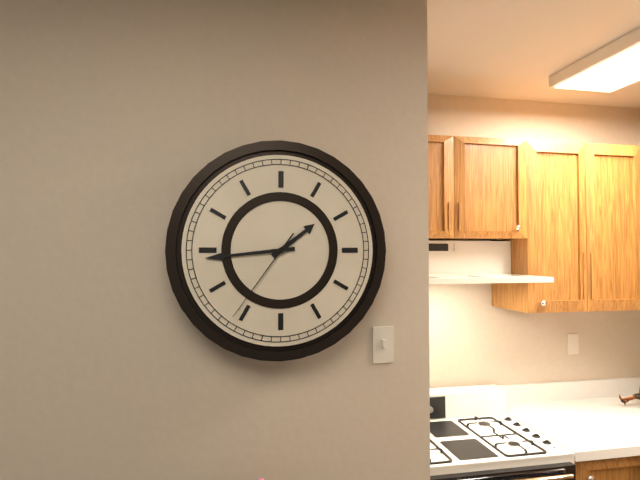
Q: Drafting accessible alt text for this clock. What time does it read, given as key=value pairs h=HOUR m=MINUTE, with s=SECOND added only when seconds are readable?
h=1 m=44 s=36
